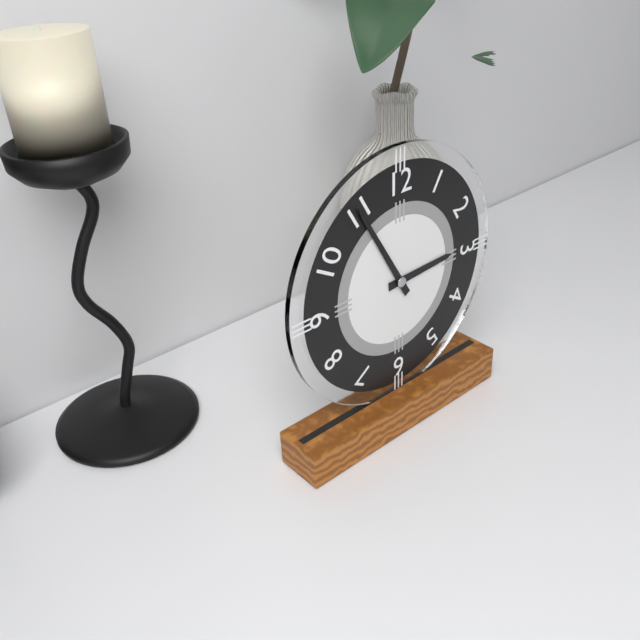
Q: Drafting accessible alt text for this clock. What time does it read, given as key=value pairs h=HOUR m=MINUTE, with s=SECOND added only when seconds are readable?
h=2 m=55
